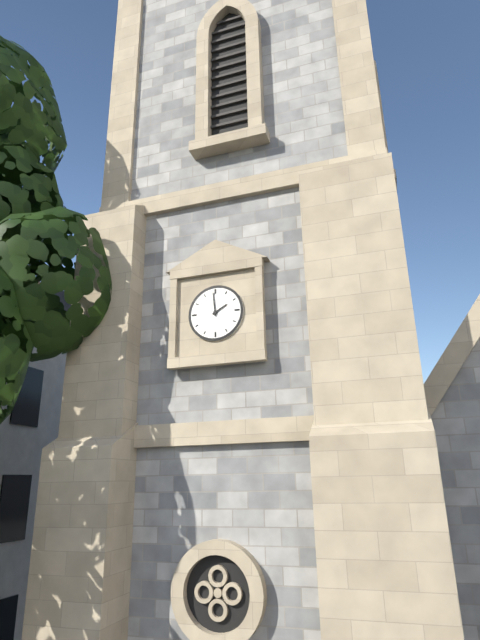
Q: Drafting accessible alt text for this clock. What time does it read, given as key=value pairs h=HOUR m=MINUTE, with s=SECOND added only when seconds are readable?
h=1 m=59
